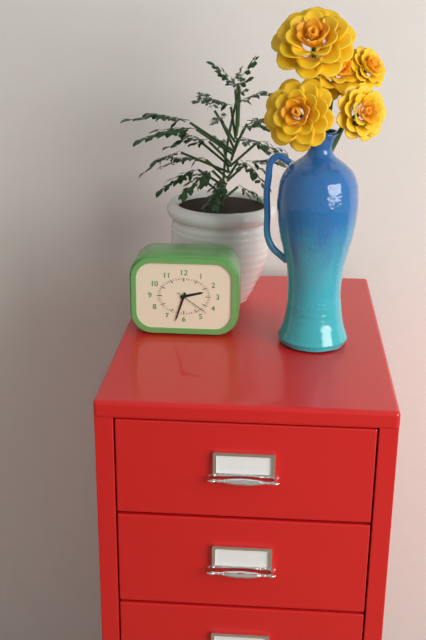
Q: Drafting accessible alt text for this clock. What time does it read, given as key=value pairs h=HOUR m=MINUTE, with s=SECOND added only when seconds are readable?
h=2 m=33
